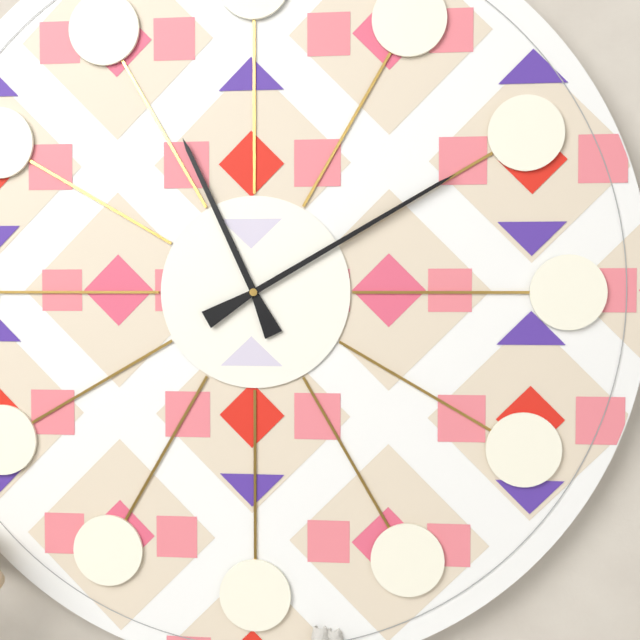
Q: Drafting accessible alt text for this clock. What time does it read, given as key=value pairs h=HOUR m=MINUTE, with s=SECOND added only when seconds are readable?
h=11 m=10
